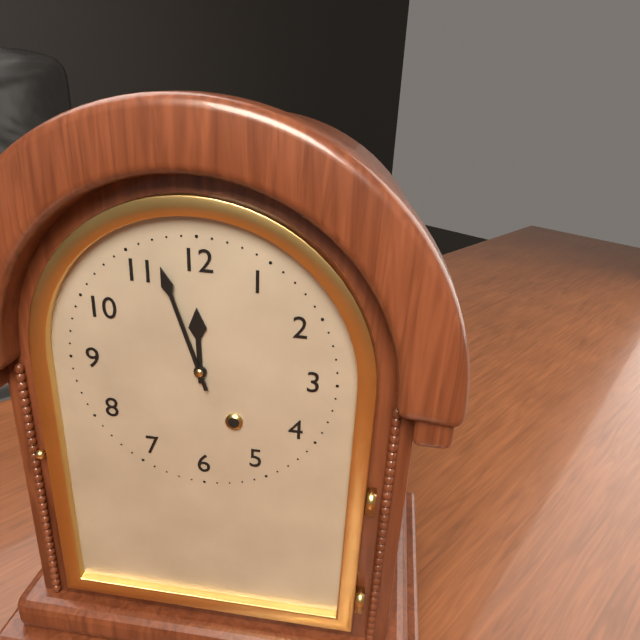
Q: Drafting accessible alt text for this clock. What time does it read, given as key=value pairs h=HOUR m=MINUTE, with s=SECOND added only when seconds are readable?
h=11 m=57
